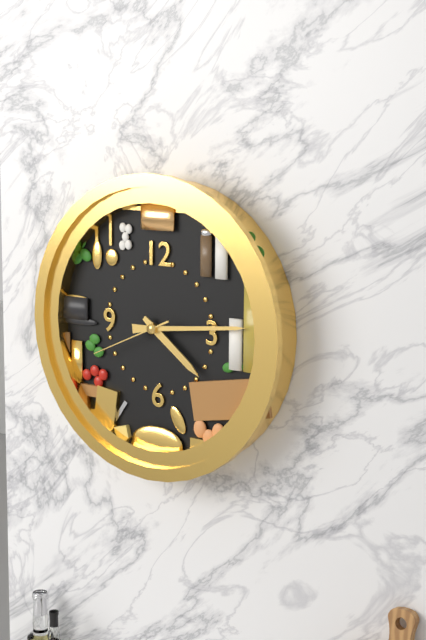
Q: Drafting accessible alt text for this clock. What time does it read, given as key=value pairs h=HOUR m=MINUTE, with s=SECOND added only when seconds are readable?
h=4 m=14 s=41
